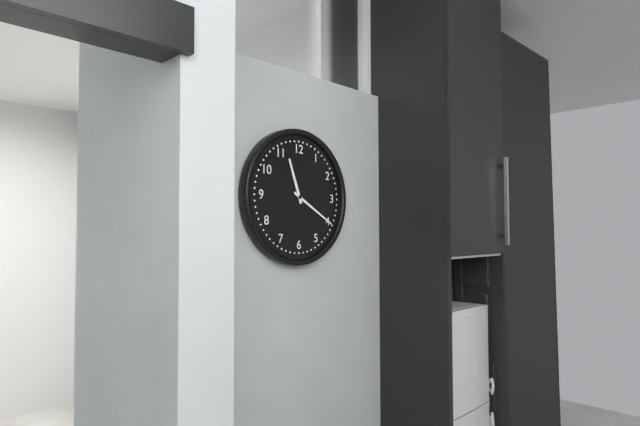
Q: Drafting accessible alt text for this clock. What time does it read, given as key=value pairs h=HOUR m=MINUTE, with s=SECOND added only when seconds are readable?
h=11 m=20
